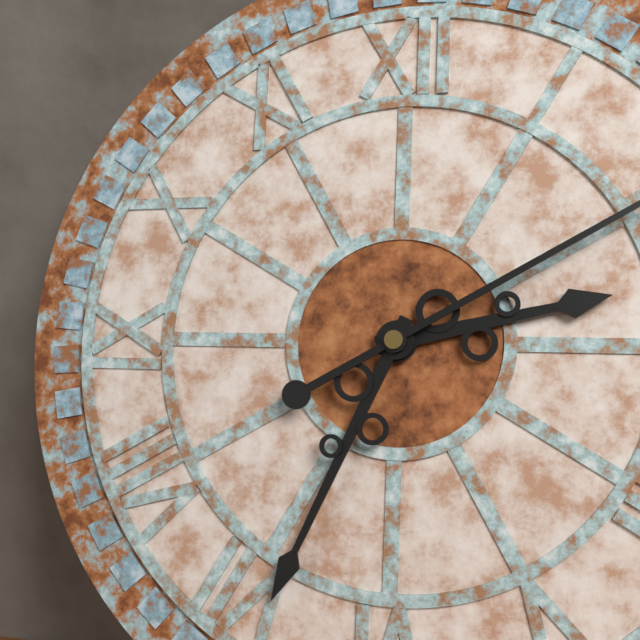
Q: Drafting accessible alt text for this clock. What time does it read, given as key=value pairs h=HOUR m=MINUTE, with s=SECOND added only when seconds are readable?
h=2 m=34
